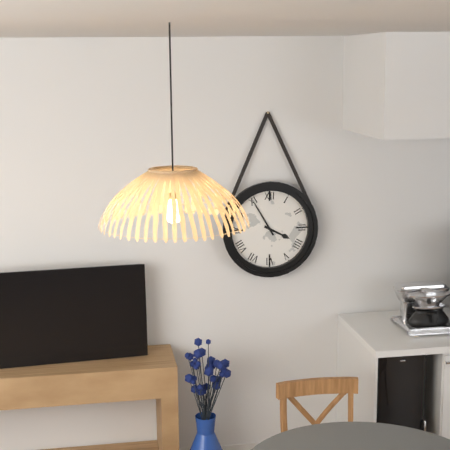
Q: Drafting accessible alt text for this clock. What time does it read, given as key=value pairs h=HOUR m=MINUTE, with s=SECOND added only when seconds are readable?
h=3 m=55
